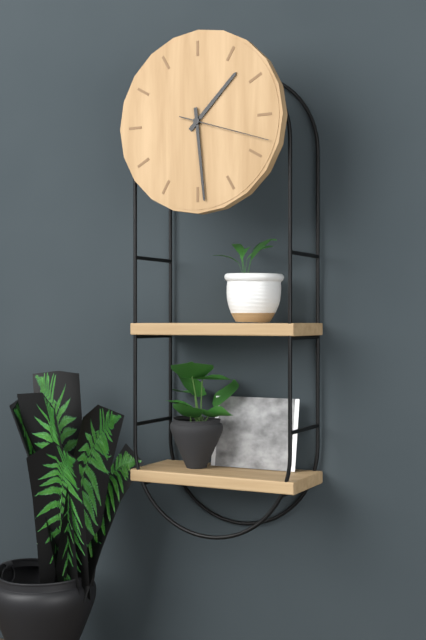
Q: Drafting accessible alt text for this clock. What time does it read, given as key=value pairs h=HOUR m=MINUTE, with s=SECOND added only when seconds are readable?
h=1 m=29 s=18
